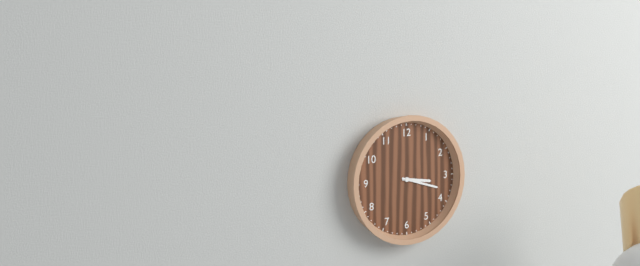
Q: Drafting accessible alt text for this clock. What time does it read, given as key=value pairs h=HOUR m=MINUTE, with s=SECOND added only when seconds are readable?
h=3 m=18
